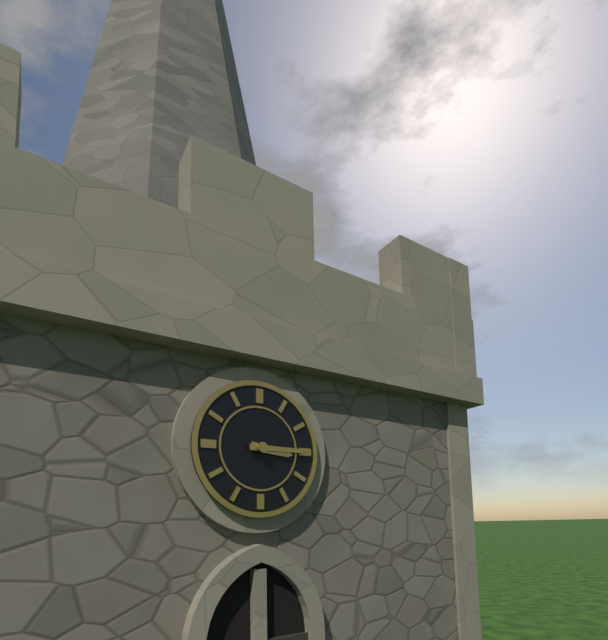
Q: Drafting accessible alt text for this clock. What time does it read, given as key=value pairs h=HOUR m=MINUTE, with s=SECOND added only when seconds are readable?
h=3 m=15
